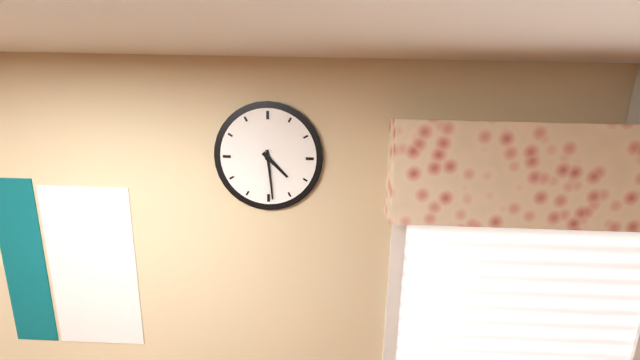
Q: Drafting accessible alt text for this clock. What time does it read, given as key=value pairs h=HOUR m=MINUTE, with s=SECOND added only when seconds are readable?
h=4 m=29
